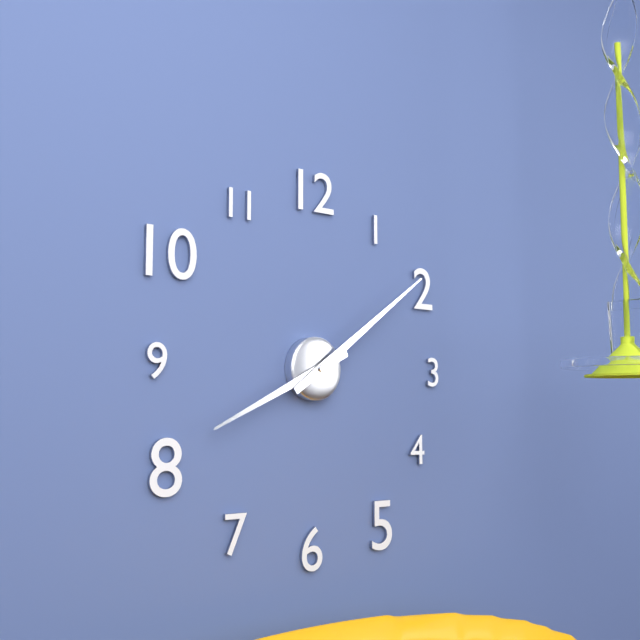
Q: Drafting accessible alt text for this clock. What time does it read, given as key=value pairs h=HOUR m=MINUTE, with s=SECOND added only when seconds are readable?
h=8 m=9
